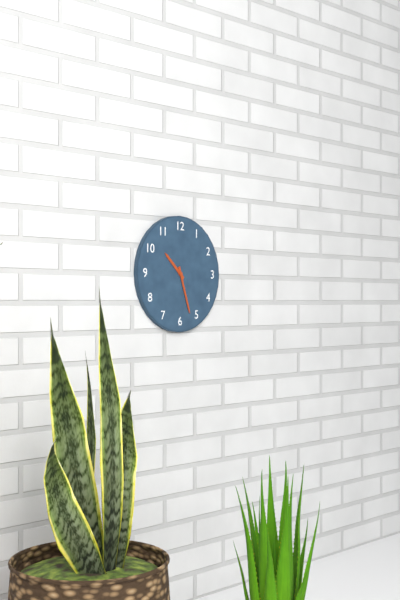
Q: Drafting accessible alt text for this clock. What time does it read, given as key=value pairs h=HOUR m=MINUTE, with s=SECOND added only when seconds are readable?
h=10 m=27
